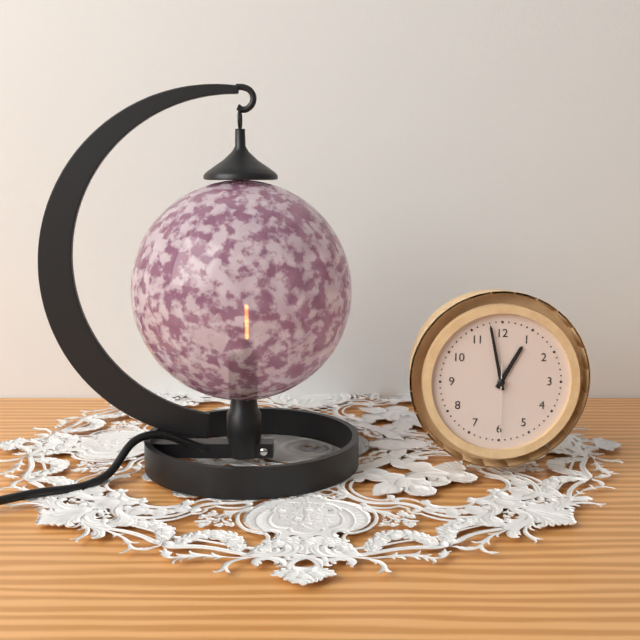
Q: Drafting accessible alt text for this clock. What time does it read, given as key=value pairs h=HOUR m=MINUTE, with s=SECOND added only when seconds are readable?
h=12 m=58 s=30
